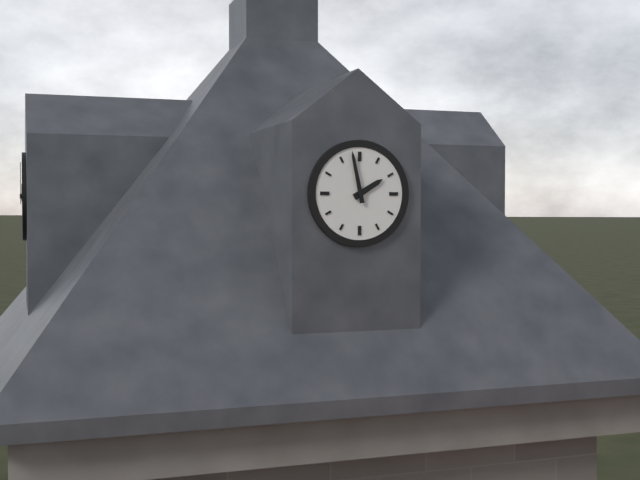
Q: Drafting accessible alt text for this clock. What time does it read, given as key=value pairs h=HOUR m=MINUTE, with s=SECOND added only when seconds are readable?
h=1 m=58
